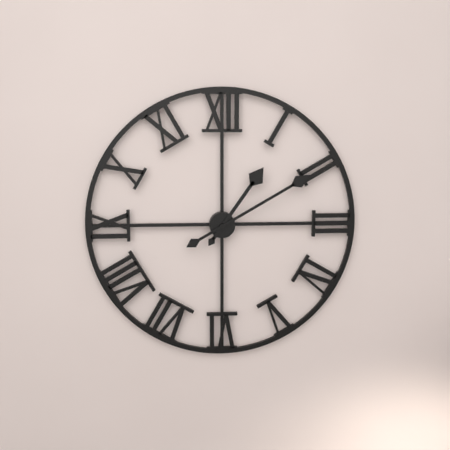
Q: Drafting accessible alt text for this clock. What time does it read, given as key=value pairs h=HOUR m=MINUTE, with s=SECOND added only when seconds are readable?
h=1 m=10
